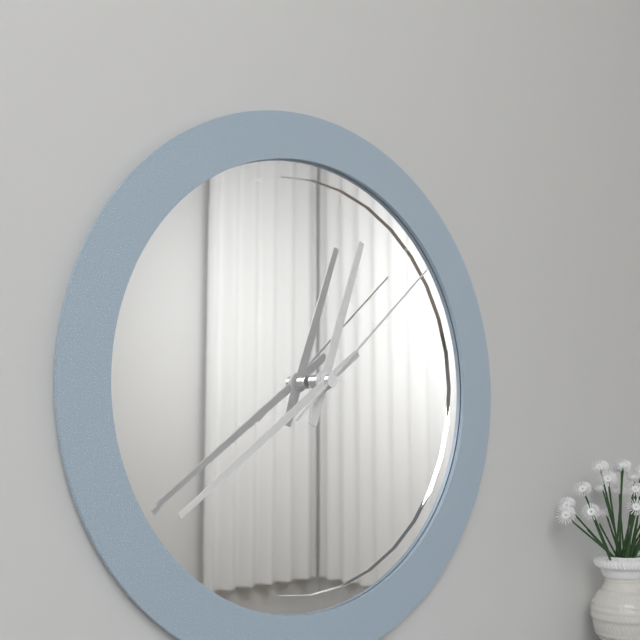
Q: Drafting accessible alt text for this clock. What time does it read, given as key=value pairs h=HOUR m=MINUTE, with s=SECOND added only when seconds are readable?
h=12 m=39 s=8
